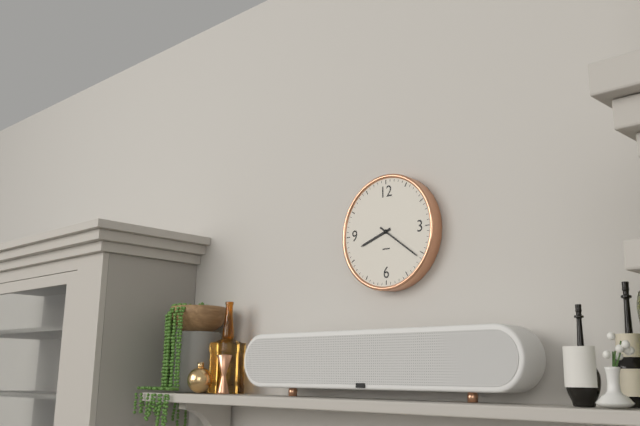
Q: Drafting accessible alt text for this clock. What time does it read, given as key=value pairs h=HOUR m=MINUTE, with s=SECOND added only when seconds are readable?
h=8 m=21
